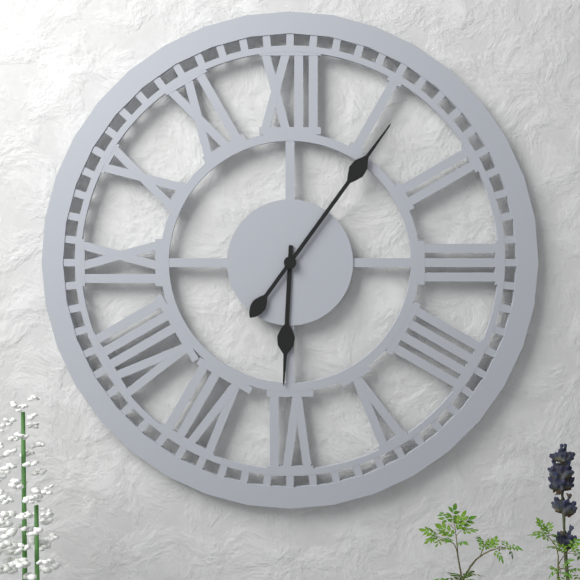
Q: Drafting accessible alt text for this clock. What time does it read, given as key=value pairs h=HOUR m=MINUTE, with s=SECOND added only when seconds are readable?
h=6 m=6
